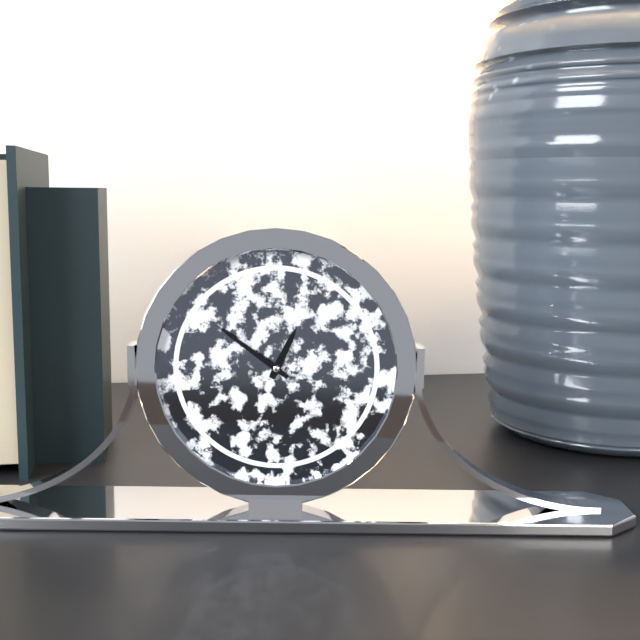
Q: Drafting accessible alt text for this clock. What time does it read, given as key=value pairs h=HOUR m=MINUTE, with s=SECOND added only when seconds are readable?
h=12 m=51
